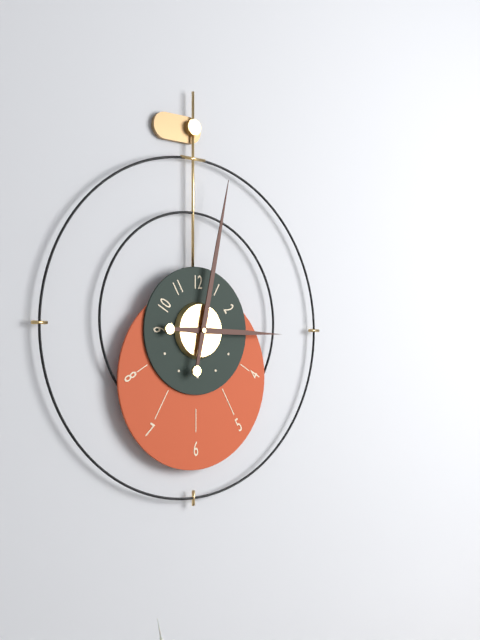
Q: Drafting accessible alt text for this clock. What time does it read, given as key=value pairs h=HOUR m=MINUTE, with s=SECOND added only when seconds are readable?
h=3 m=2
